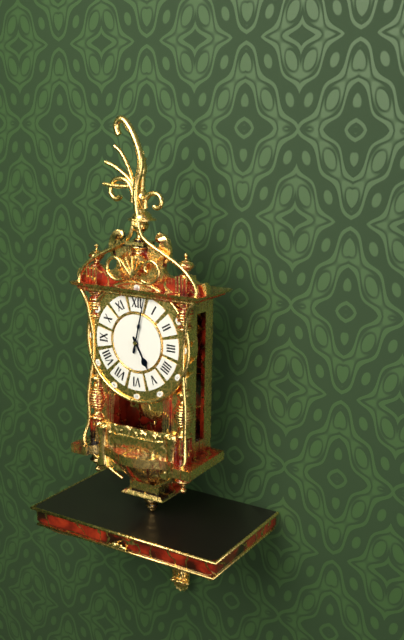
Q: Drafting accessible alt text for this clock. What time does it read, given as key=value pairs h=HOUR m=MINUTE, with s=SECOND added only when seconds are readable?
h=5 m=2
